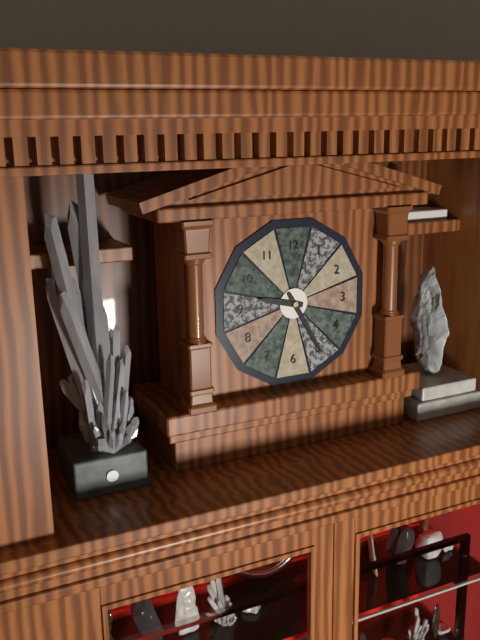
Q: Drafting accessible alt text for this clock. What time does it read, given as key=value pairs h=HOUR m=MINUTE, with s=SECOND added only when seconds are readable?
h=9 m=25
